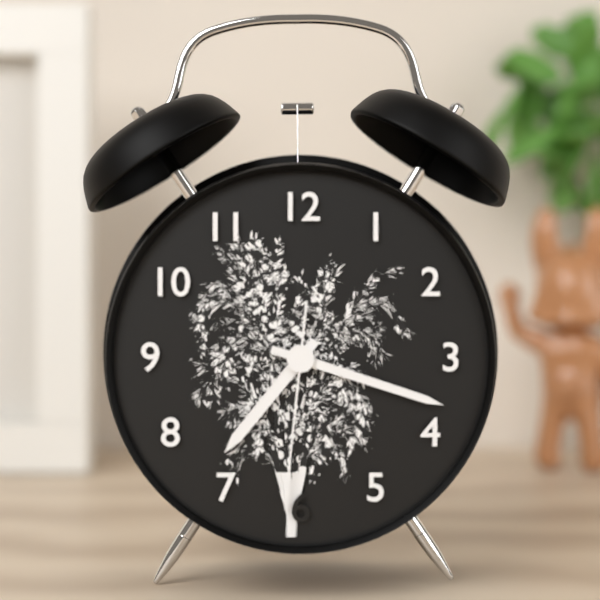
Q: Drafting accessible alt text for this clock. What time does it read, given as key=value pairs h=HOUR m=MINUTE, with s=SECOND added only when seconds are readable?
h=7 m=18 s=31
